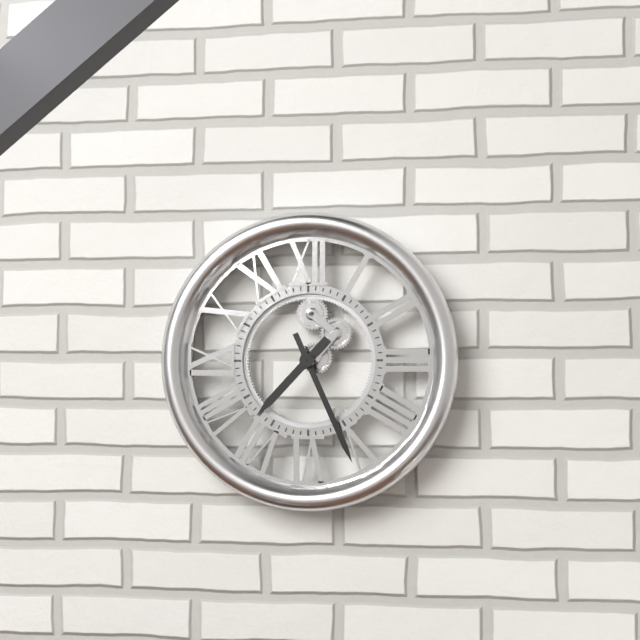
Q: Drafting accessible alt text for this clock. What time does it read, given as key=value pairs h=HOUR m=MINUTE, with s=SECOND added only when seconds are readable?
h=7 m=26
